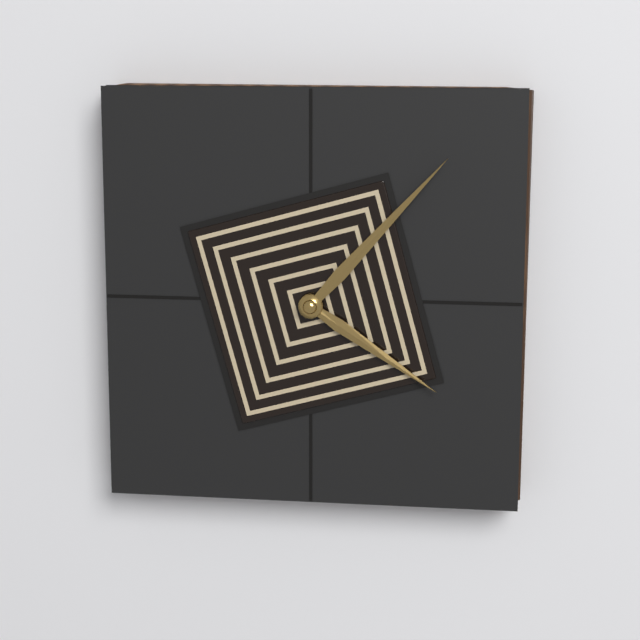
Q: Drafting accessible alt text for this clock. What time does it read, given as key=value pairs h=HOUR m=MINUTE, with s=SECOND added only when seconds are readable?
h=4 m=7
